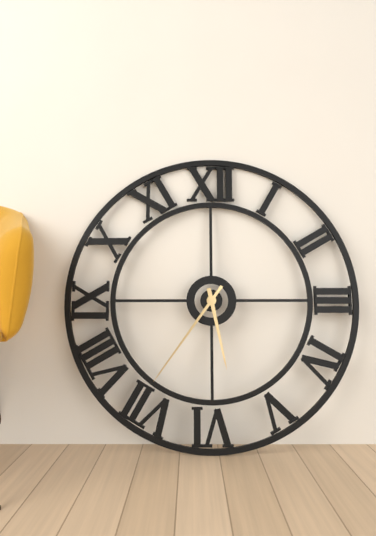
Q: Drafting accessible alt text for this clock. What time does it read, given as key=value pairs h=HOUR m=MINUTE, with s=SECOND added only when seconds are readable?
h=5 m=36
